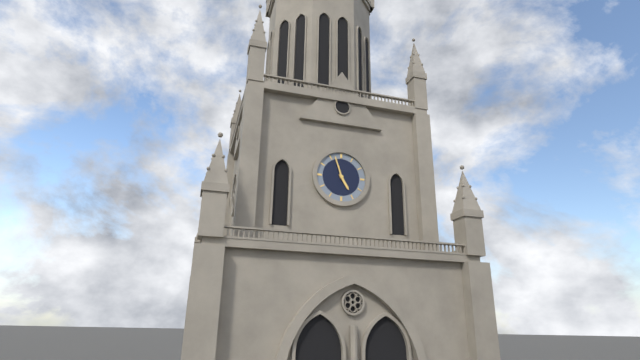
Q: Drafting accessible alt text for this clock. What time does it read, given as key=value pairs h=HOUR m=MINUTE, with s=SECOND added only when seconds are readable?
h=4 m=57
